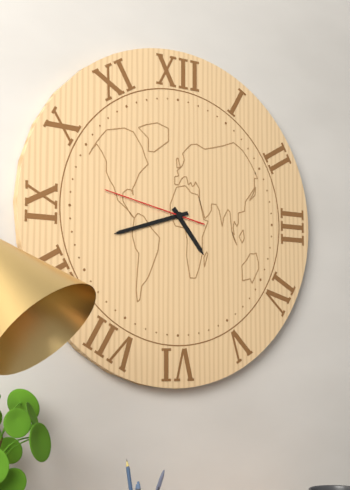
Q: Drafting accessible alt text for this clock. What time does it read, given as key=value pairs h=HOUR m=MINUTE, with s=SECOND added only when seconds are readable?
h=4 m=42 s=47
